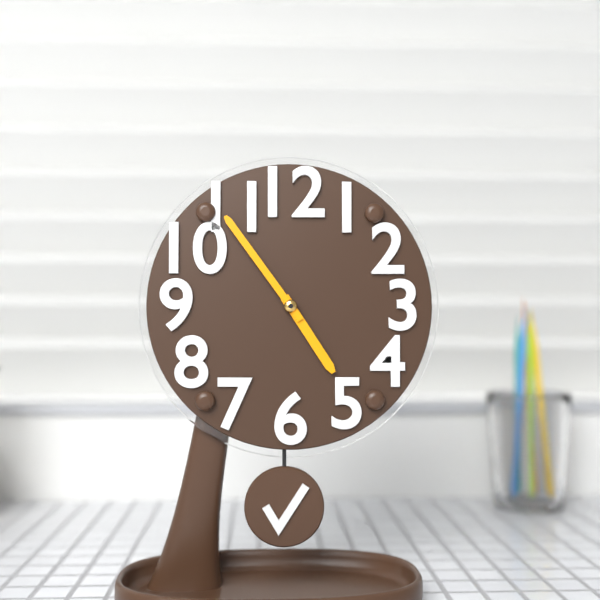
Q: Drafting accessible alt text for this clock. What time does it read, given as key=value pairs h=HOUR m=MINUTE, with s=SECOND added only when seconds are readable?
h=4 m=54
